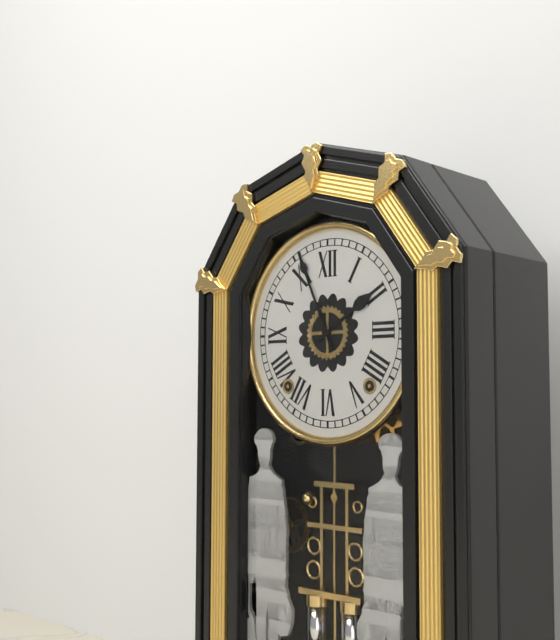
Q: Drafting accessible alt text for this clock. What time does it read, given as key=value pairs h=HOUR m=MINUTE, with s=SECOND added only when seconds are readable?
h=1 m=56
